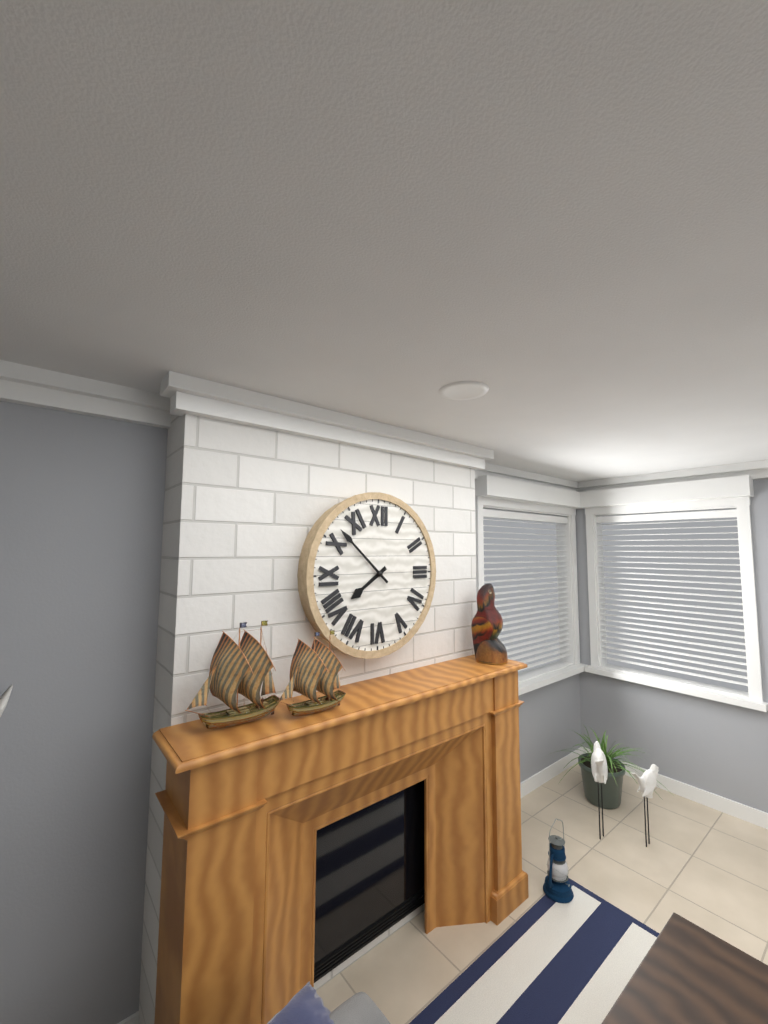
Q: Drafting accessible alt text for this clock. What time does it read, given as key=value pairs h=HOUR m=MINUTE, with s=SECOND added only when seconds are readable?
h=7 m=52
